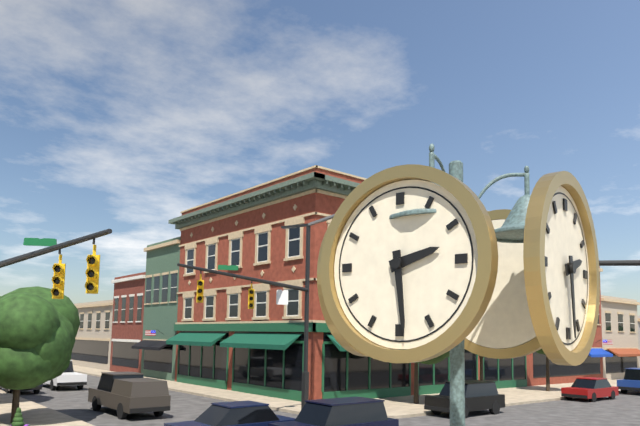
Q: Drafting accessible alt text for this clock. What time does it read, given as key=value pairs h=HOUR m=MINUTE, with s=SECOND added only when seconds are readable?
h=2 m=29
